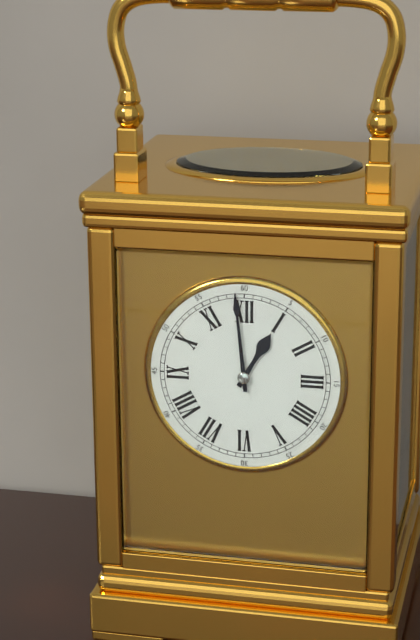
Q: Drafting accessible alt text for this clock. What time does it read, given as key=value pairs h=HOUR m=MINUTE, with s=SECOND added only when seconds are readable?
h=12 m=59
